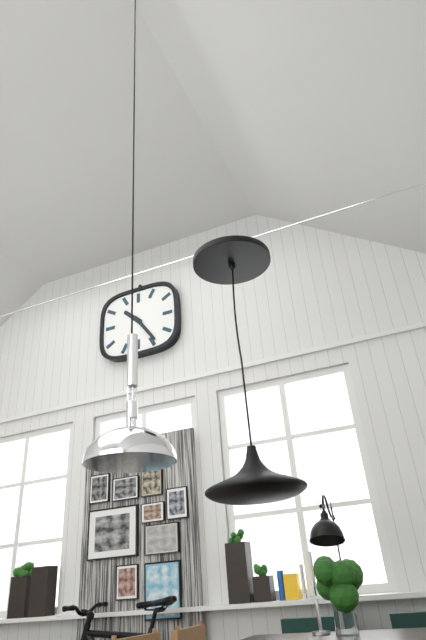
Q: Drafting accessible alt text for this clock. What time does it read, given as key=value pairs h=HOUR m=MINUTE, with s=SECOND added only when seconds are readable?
h=10 m=24
